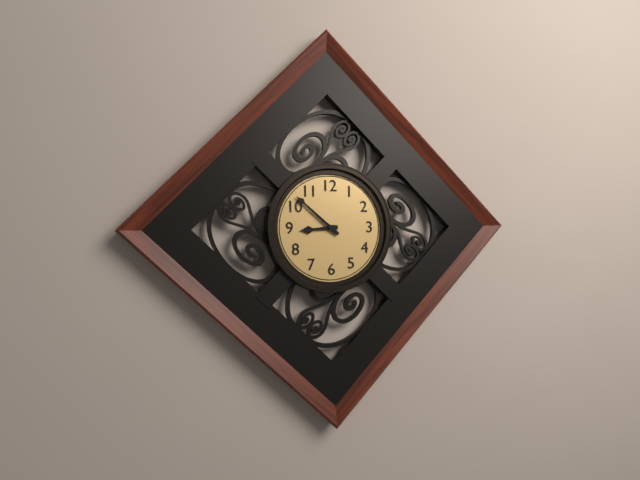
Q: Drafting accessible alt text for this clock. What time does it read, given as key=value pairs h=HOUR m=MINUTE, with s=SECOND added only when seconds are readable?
h=8 m=52
